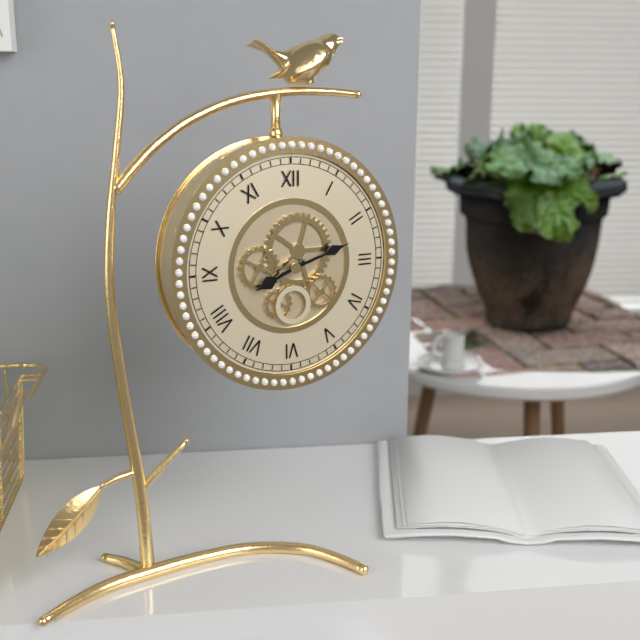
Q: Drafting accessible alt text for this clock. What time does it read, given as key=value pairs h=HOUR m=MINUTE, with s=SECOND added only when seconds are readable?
h=8 m=12
